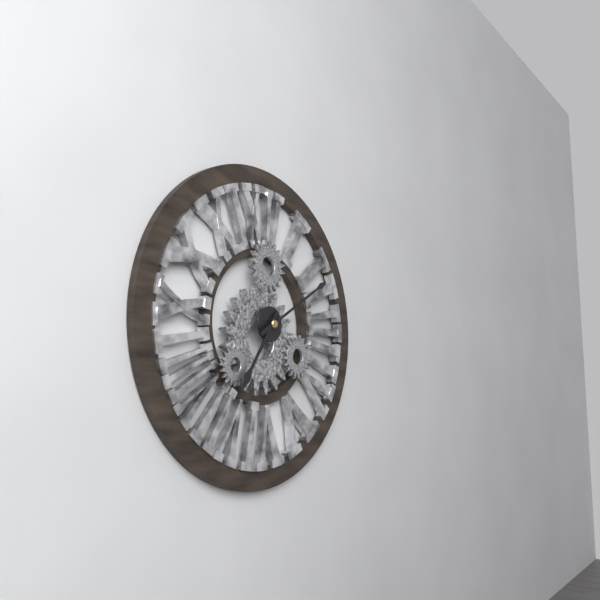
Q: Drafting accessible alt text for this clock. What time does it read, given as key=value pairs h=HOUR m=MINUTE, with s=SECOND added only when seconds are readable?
h=7 m=10
